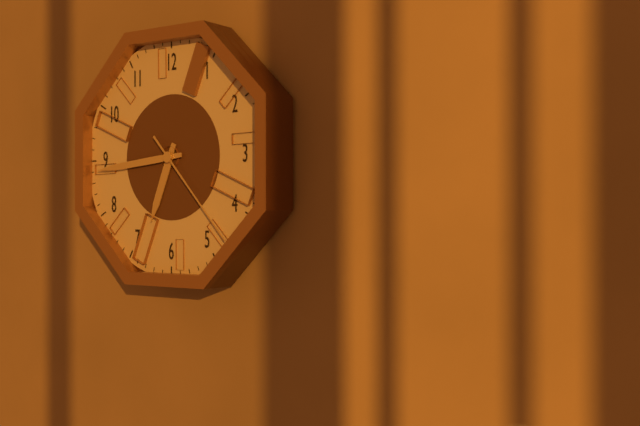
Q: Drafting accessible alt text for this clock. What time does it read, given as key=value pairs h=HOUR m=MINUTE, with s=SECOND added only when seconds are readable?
h=6 m=44 s=23
